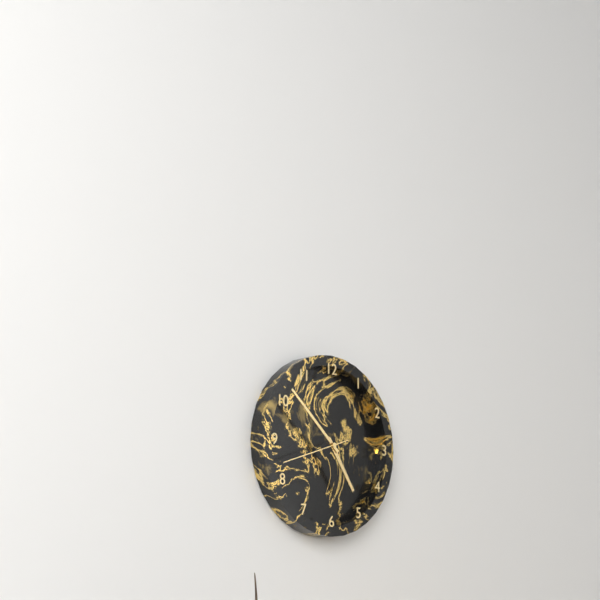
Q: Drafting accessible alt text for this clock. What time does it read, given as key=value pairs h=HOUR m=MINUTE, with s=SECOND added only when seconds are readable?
h=4 m=52 s=42
